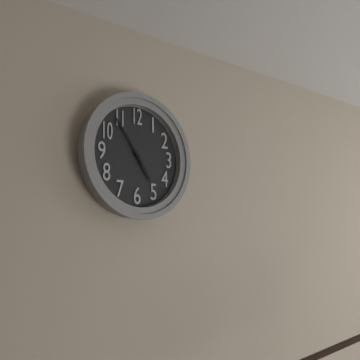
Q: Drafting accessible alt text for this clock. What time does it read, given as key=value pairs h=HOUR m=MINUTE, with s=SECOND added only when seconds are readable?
h=4 m=54
